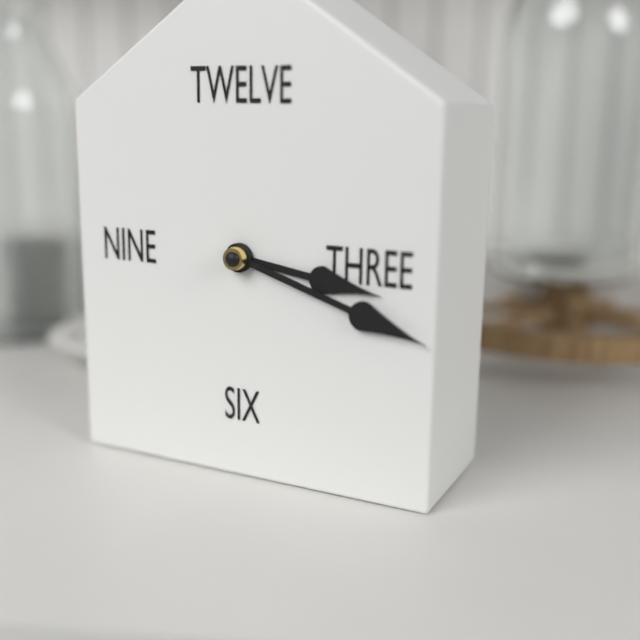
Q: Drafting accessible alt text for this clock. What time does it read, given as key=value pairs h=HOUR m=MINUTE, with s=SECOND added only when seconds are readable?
h=3 m=18
